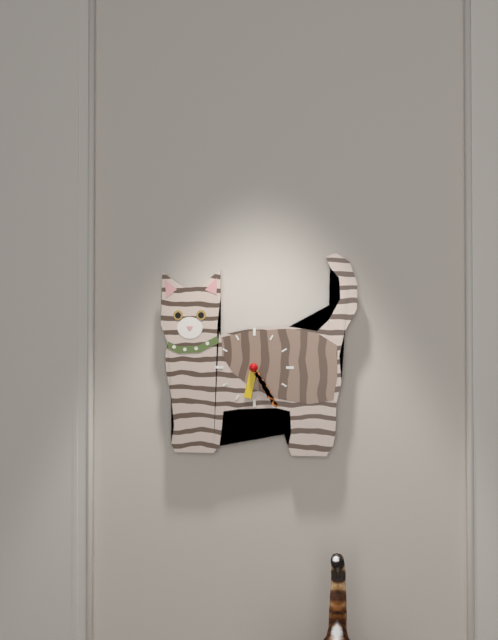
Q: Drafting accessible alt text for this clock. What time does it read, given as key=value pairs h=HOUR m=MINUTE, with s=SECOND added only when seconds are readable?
h=6 m=25
